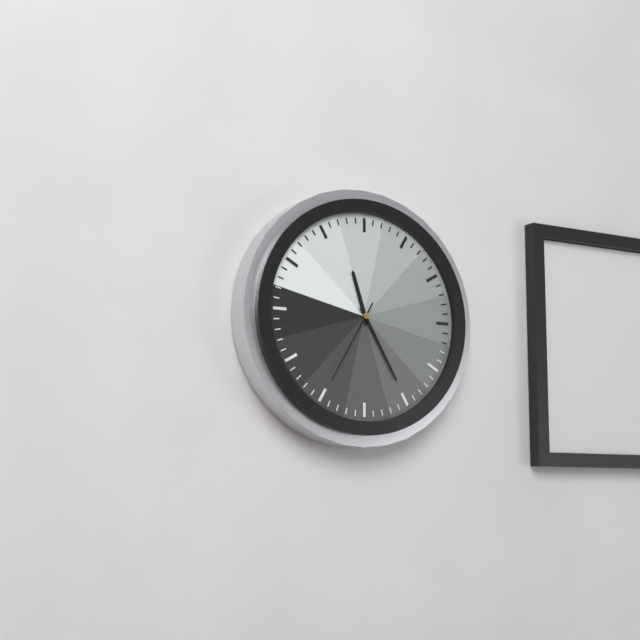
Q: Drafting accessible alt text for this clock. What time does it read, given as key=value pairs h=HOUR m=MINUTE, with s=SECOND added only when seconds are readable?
h=11 m=25 s=35
